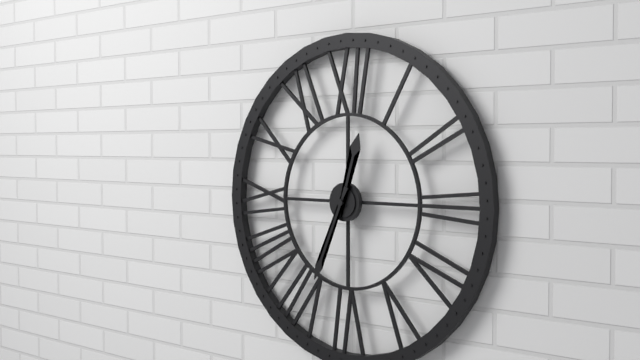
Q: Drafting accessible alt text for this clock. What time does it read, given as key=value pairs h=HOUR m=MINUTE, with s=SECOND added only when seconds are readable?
h=12 m=34
